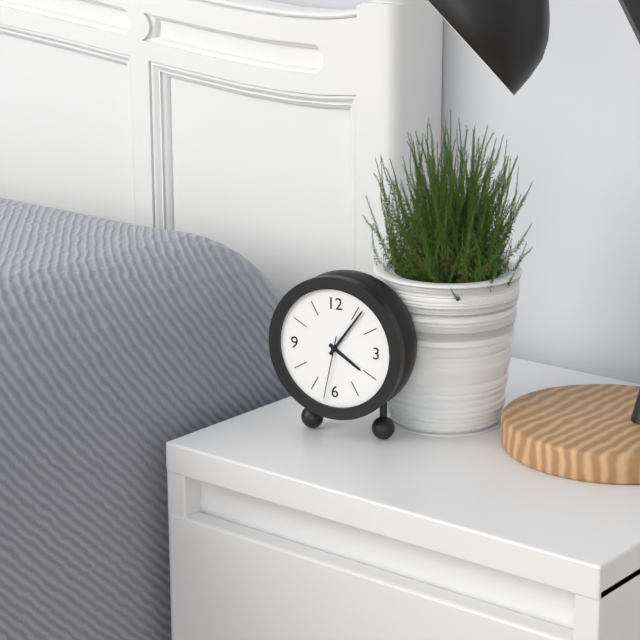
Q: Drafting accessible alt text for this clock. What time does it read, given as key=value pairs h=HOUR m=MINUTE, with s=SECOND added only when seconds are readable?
h=4 m=6 s=32
